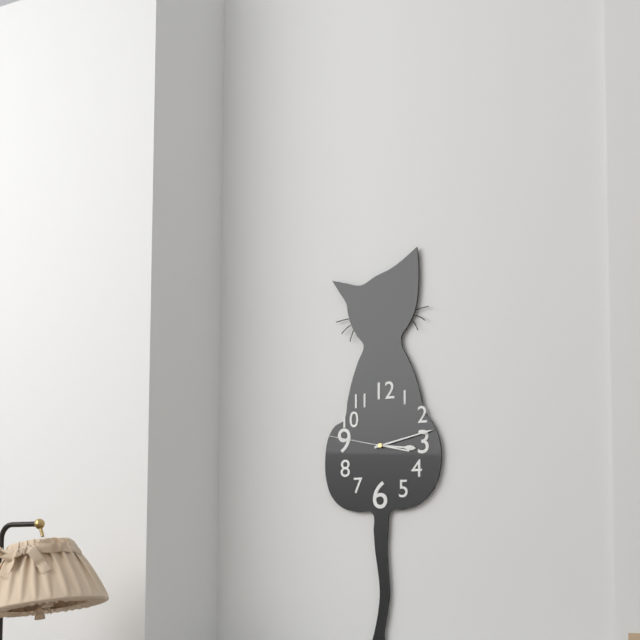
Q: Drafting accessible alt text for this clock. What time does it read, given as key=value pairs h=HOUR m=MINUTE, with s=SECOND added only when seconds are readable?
h=3 m=13 s=47
